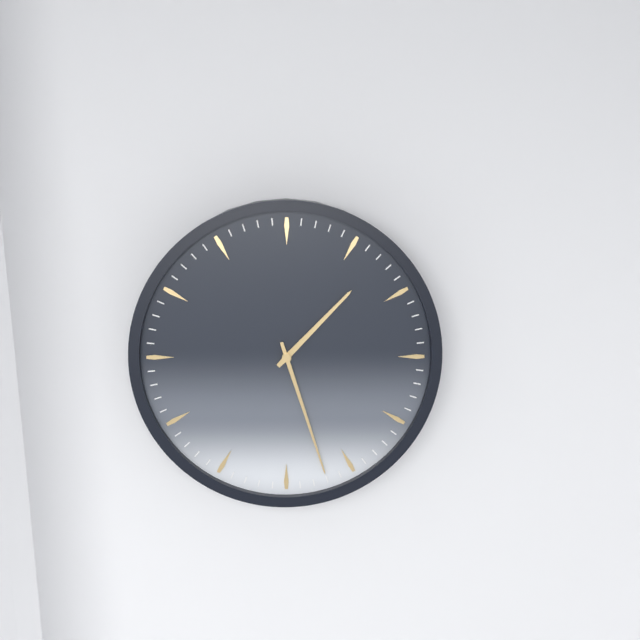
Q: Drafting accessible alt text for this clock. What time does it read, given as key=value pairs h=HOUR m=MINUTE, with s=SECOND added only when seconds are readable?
h=1 m=27
